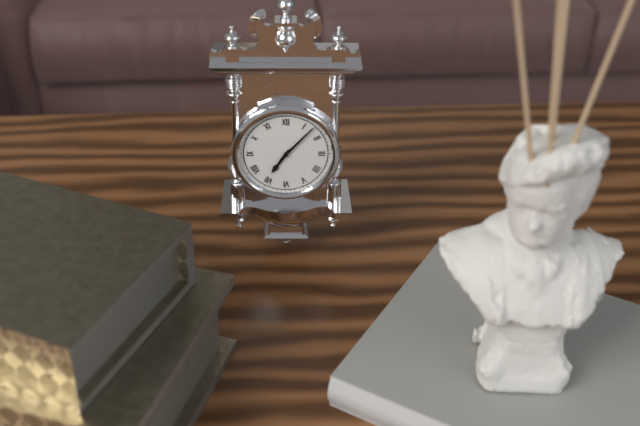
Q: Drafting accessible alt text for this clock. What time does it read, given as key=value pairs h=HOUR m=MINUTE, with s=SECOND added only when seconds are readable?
h=7 m=7
